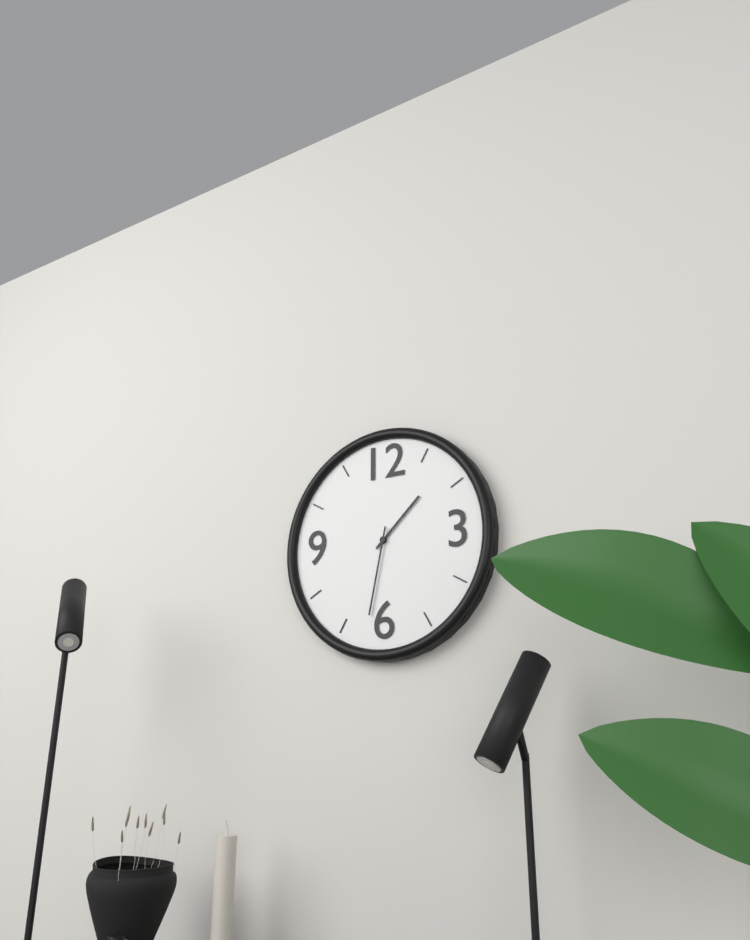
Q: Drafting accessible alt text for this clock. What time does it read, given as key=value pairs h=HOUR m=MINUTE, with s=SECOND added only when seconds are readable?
h=1 m=32
